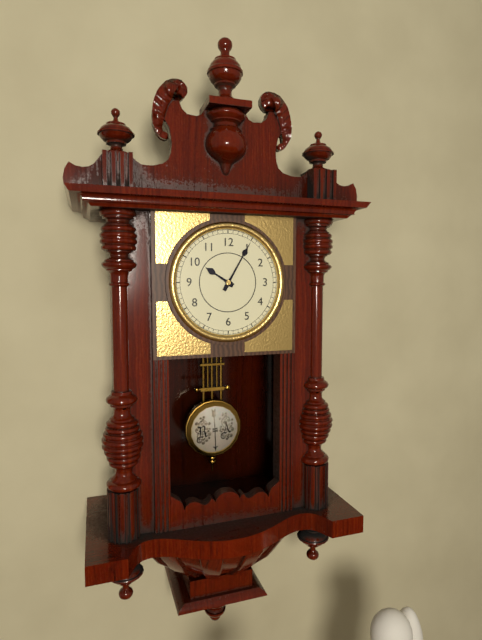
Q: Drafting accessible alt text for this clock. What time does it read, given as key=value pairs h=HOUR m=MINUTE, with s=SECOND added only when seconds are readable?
h=10 m=5
